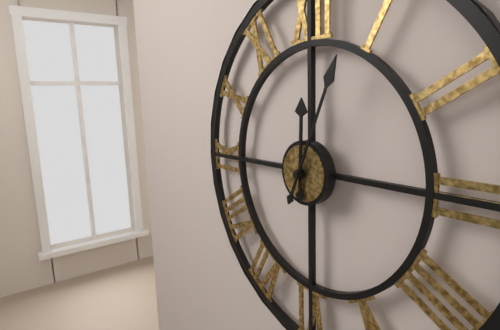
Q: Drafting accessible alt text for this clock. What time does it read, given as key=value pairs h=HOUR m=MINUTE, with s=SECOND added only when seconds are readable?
h=12 m=4
